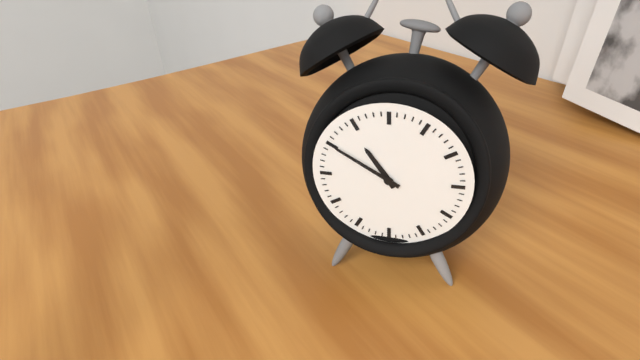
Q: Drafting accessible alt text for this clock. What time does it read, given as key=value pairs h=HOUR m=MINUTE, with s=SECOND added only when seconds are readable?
h=10 m=50
